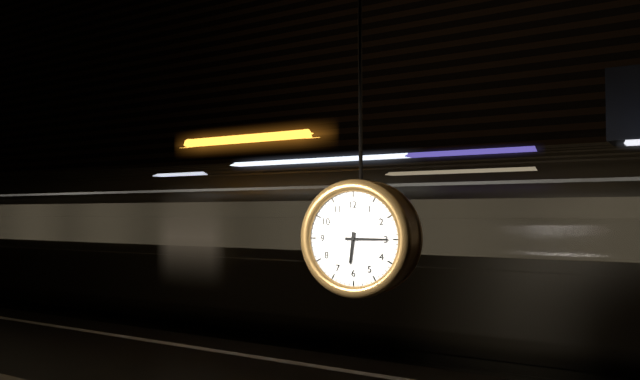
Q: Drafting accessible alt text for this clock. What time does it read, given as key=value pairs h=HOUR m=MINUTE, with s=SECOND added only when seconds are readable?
h=6 m=15
